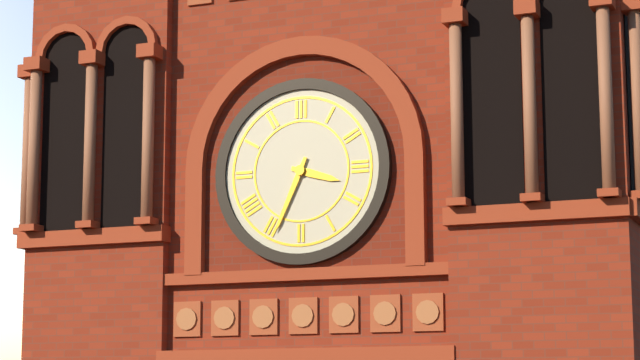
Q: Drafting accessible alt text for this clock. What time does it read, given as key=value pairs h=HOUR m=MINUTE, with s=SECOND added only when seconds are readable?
h=3 m=34
